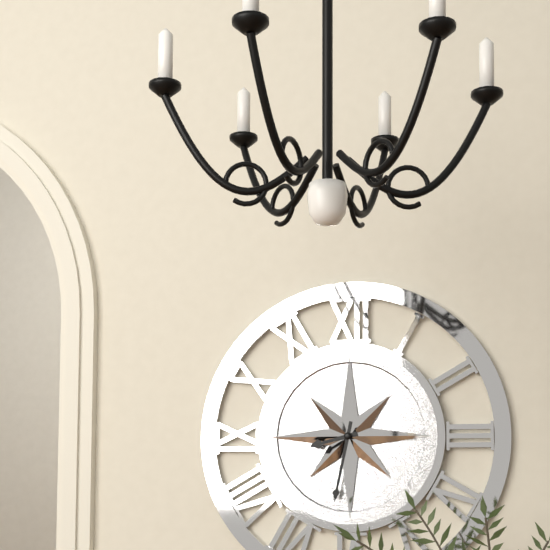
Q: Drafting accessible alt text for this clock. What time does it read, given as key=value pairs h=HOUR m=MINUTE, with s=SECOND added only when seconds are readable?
h=8 m=32
